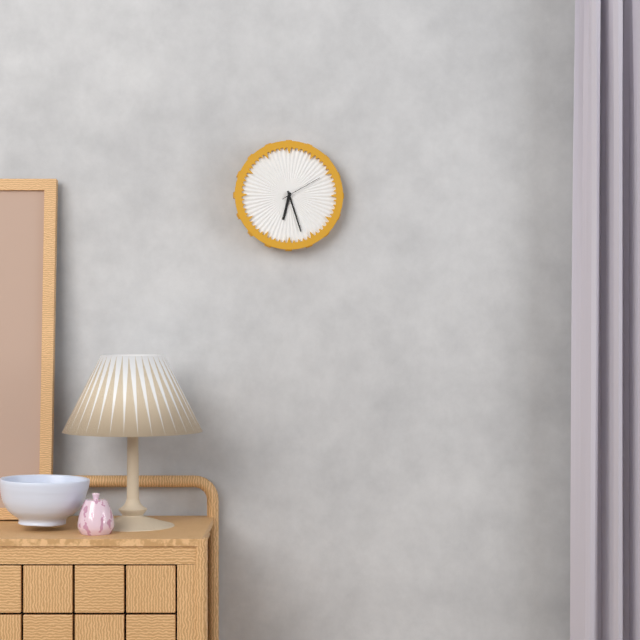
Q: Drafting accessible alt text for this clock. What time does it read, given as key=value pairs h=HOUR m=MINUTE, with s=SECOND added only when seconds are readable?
h=6 m=27
